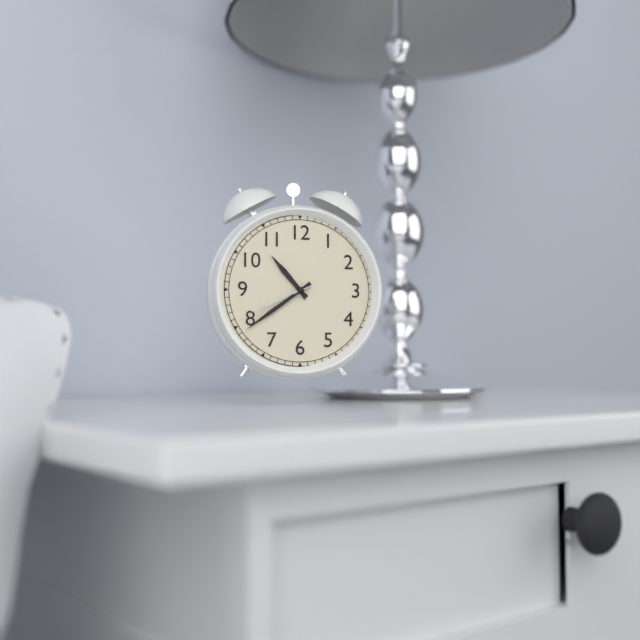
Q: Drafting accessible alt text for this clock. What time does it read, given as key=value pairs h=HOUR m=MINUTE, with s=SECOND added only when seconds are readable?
h=10 m=39 s=41
